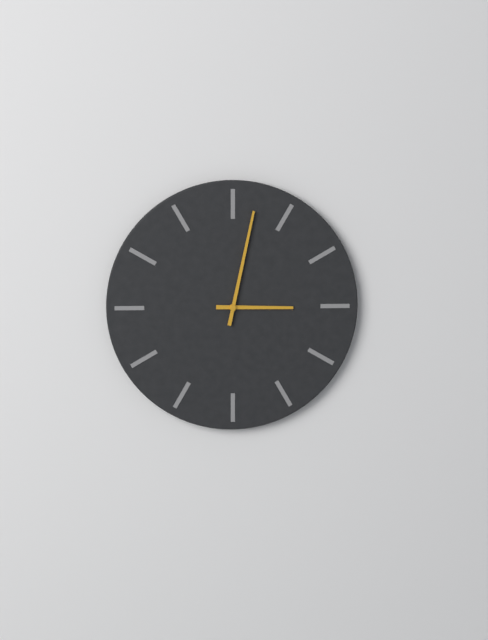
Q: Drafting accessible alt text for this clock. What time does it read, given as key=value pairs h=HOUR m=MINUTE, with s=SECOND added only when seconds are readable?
h=3 m=2
